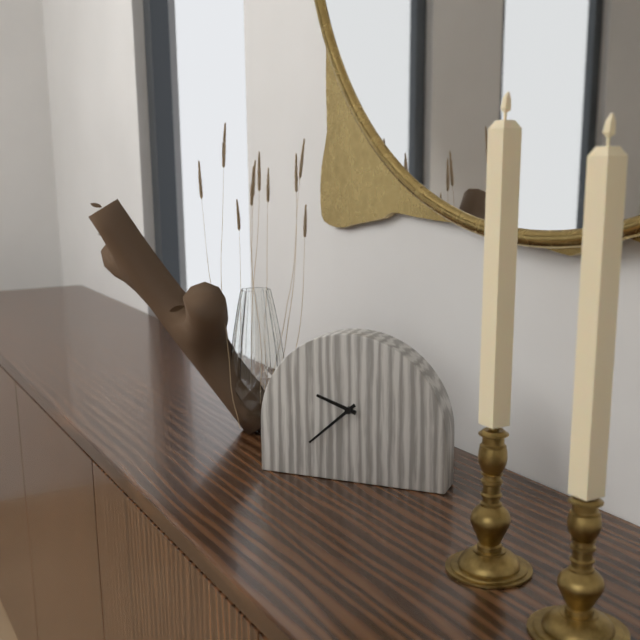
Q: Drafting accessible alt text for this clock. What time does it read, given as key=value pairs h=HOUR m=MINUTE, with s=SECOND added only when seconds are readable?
h=9 m=38
